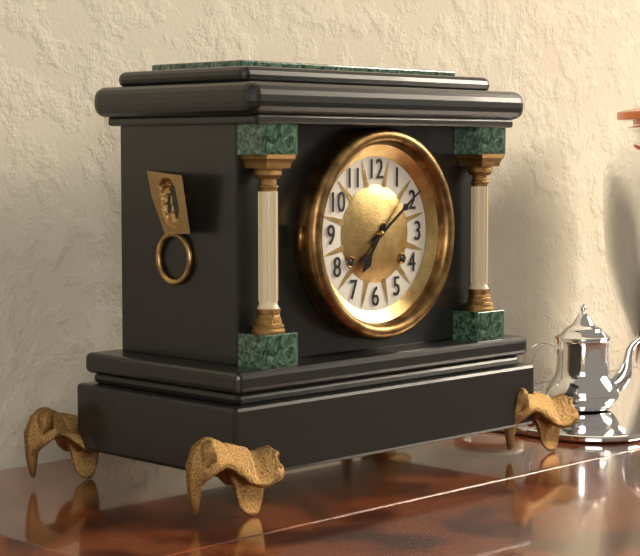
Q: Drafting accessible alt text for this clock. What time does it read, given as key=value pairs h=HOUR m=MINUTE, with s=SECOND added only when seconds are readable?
h=7 m=9
